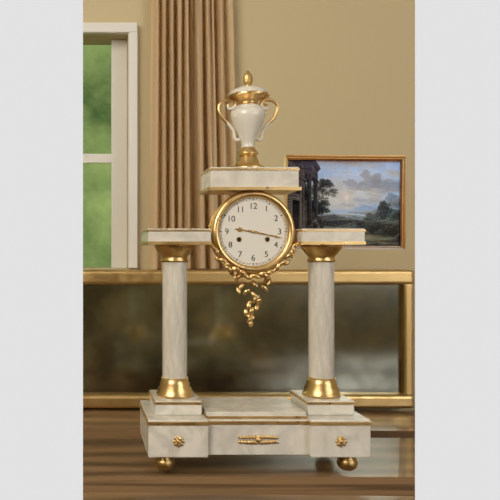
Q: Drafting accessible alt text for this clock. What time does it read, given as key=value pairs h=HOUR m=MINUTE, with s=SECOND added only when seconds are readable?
h=9 m=17
